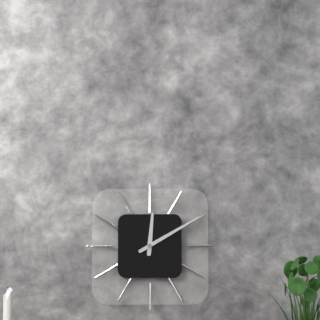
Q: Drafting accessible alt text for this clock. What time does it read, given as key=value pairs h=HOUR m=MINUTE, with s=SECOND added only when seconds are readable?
h=12 m=10
